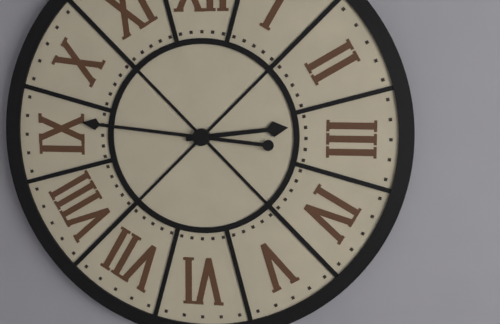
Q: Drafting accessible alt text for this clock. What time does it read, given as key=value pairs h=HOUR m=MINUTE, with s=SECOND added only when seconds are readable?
h=2 m=46
